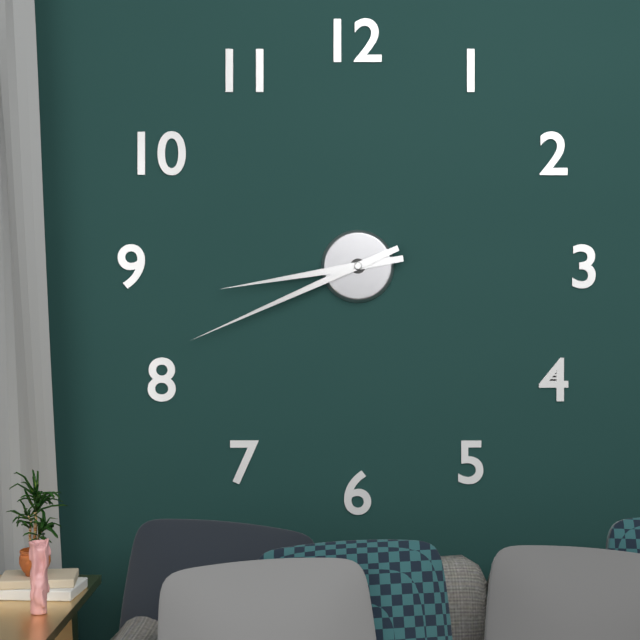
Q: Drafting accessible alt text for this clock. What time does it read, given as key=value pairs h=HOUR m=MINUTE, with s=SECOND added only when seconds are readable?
h=8 m=41
